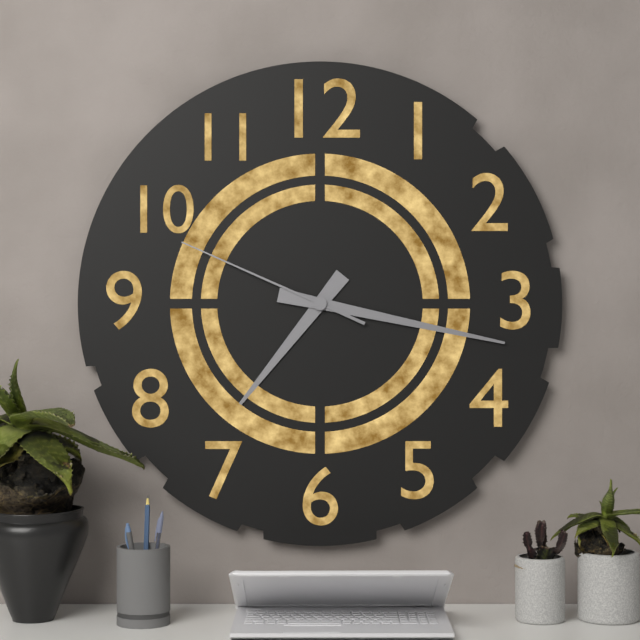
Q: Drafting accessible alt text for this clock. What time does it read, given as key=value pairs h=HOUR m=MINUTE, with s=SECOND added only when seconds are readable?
h=7 m=17 s=49
